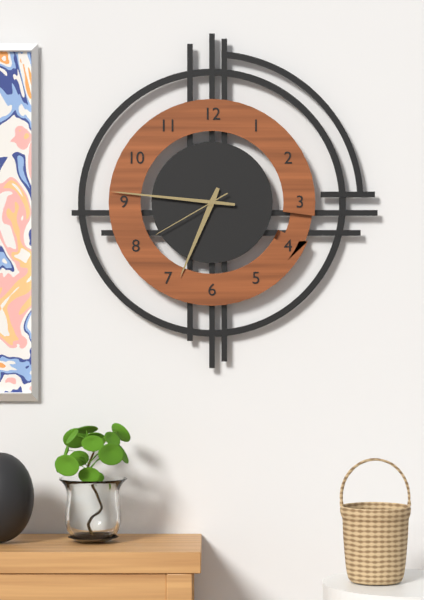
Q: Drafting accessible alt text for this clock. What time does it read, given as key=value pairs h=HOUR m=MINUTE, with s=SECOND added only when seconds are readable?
h=6 m=46 s=40
